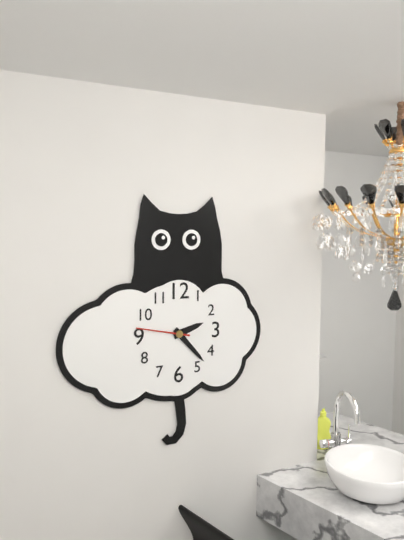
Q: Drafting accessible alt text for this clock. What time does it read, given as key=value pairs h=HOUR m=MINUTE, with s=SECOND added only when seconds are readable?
h=2 m=23 s=47
